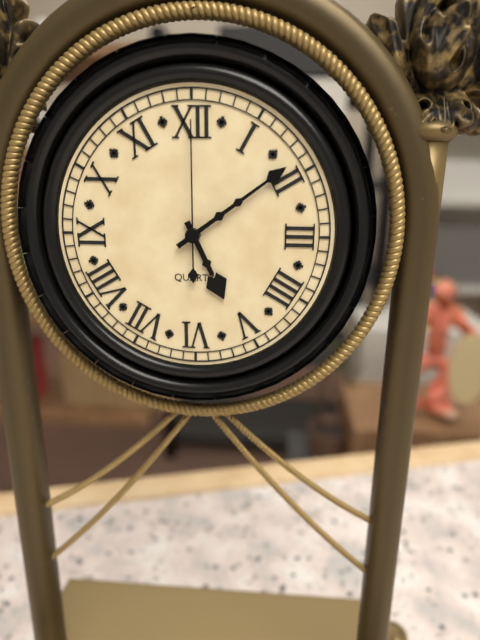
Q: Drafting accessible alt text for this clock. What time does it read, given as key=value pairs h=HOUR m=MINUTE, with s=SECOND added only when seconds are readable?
h=5 m=9 s=0
